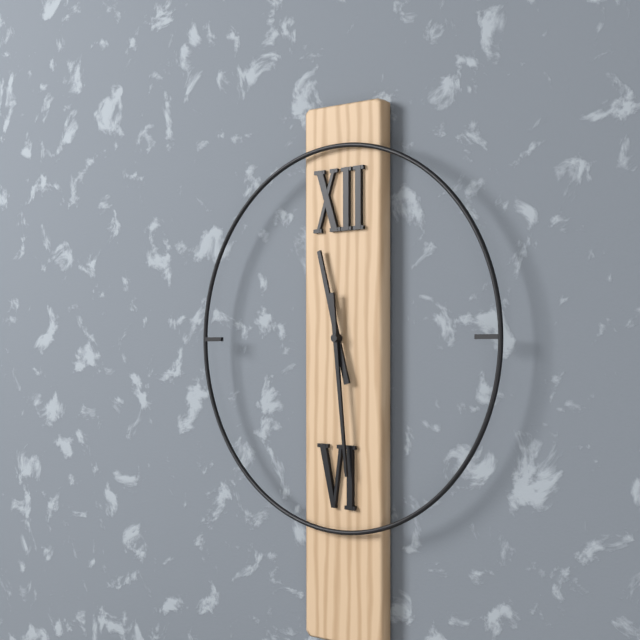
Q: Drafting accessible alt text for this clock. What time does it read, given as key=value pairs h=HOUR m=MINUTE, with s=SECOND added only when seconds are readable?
h=11 m=29
